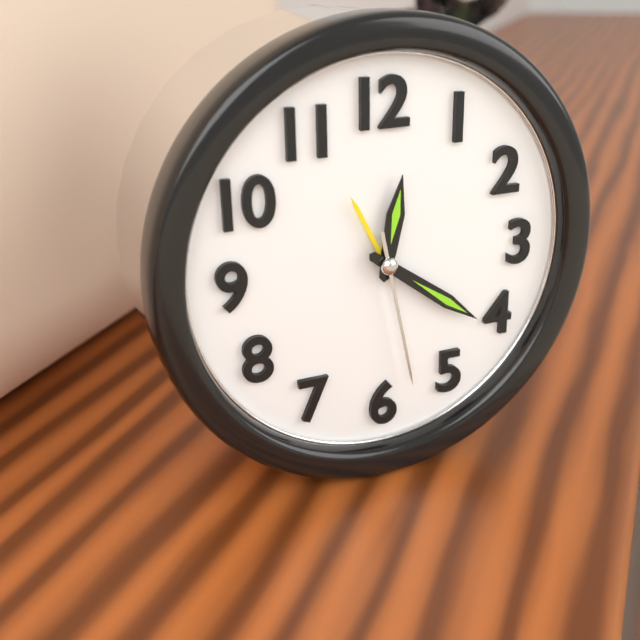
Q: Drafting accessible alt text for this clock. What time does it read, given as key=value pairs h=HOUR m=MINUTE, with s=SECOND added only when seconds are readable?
h=12 m=21 s=28
